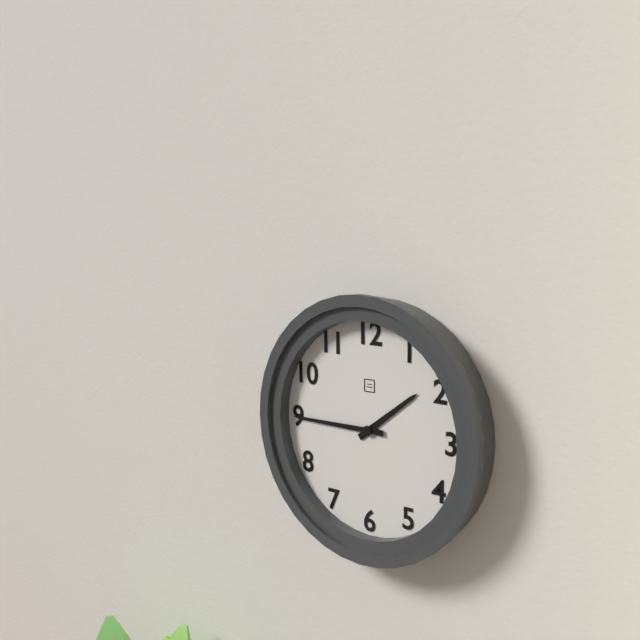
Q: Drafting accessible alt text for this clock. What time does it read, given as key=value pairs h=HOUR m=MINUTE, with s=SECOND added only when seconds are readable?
h=1 m=45
